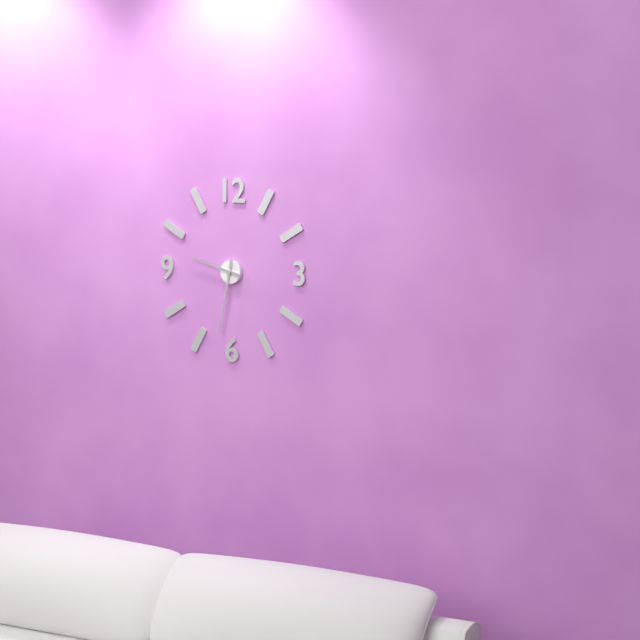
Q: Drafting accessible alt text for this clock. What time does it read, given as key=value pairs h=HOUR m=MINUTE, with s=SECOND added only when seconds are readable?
h=9 m=32
